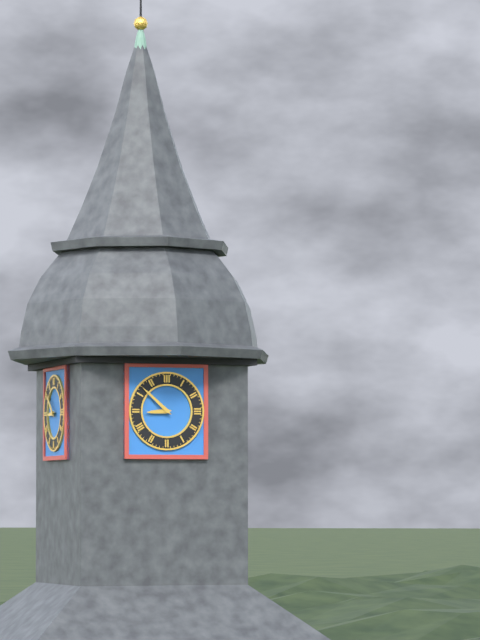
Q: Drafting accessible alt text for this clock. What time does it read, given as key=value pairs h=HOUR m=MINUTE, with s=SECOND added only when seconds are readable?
h=8 m=52
